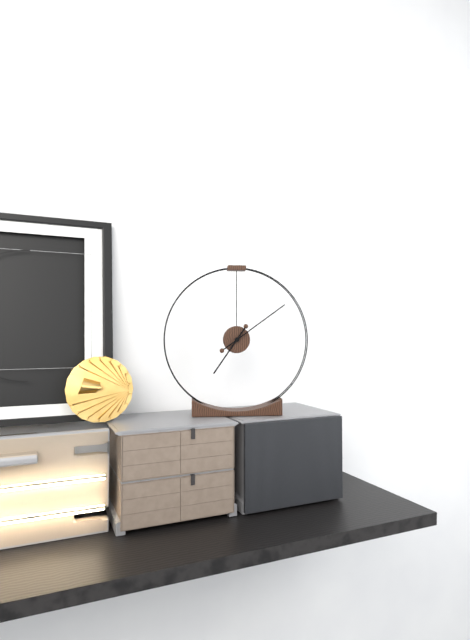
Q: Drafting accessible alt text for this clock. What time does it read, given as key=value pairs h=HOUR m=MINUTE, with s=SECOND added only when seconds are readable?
h=7 m=9
